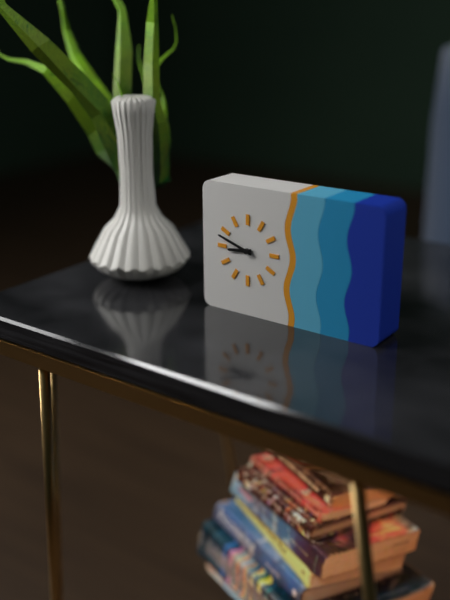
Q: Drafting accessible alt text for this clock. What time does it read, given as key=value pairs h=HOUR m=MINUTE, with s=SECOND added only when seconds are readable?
h=8 m=48
